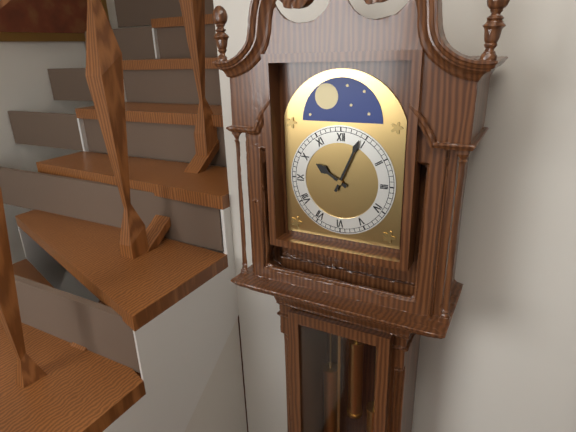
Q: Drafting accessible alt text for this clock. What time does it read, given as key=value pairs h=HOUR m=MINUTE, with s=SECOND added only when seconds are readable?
h=10 m=4
